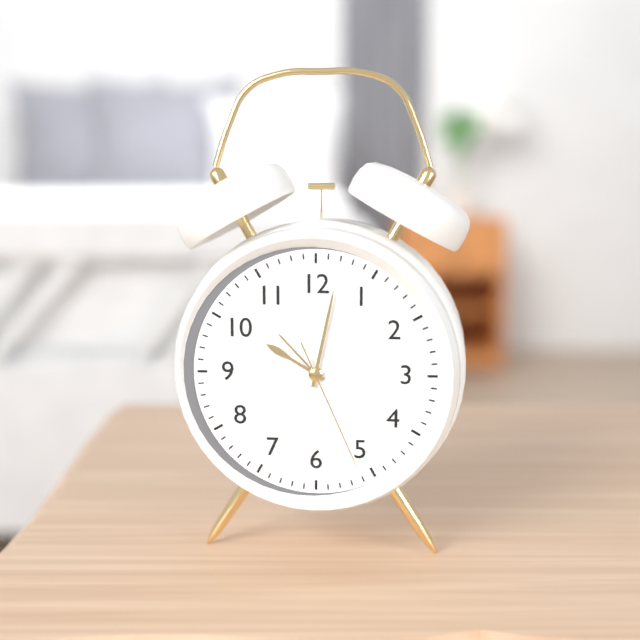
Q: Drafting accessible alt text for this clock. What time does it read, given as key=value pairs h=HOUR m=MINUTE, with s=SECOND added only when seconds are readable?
h=10 m=2 s=26
